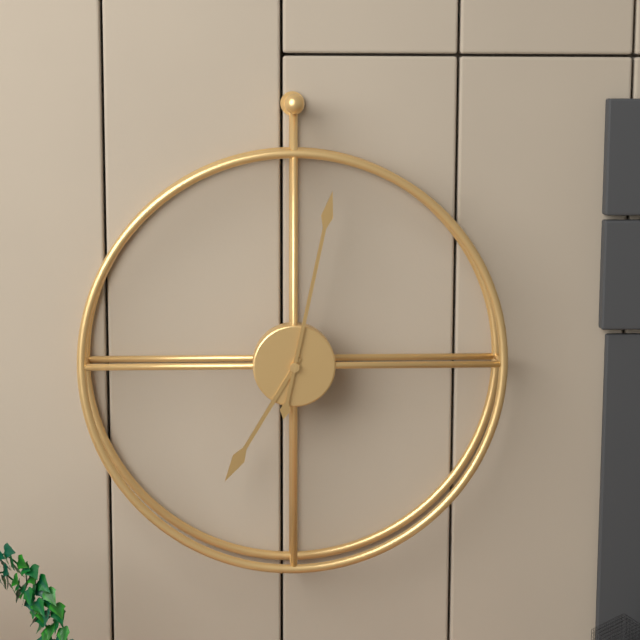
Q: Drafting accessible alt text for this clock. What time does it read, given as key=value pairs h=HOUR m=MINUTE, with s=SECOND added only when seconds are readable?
h=7 m=2
